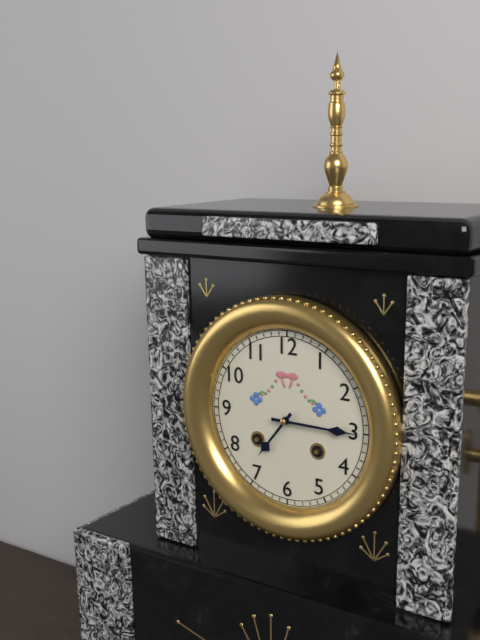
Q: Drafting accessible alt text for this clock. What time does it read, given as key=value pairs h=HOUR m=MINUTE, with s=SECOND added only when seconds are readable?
h=7 m=15
